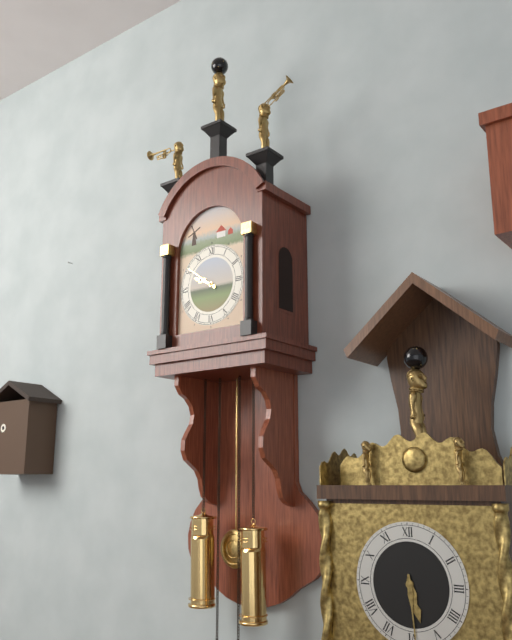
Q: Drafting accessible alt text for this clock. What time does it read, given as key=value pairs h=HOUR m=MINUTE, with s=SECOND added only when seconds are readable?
h=9 m=51
